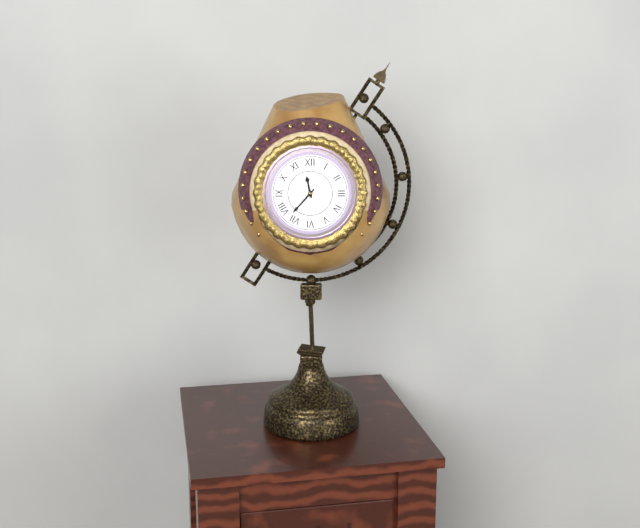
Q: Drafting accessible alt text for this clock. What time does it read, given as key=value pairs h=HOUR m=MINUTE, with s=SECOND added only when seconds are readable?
h=11 m=37
